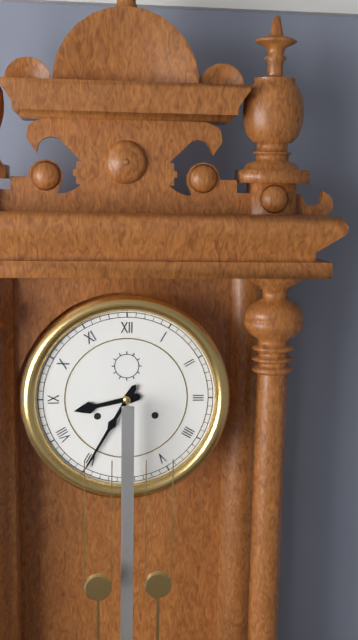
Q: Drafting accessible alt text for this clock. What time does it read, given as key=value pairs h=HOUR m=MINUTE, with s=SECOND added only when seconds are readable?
h=8 m=35
